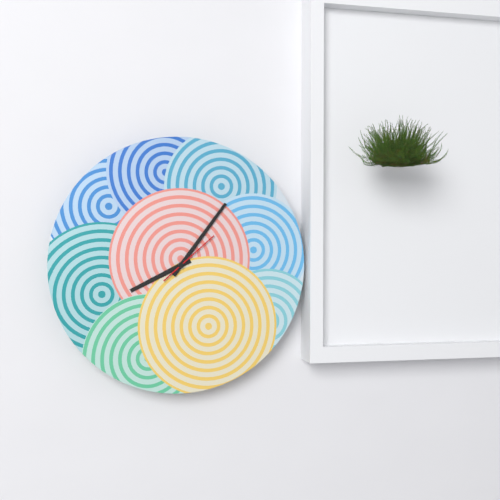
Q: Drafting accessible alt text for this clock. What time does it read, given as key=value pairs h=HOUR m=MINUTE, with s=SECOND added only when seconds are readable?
h=8 m=6 s=8
